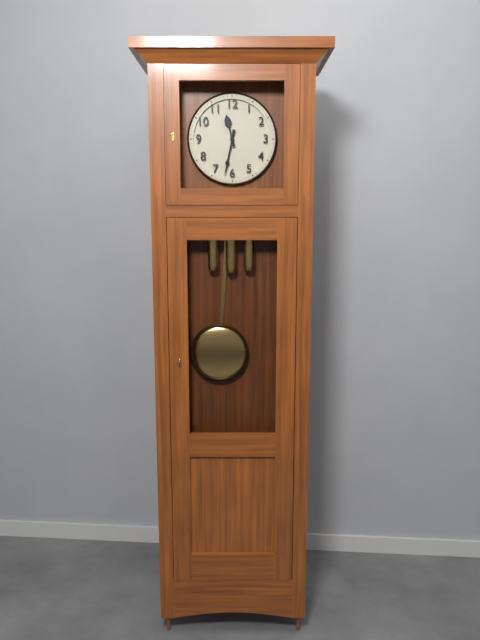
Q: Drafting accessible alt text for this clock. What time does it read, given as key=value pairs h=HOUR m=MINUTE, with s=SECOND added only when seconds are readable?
h=11 m=32
